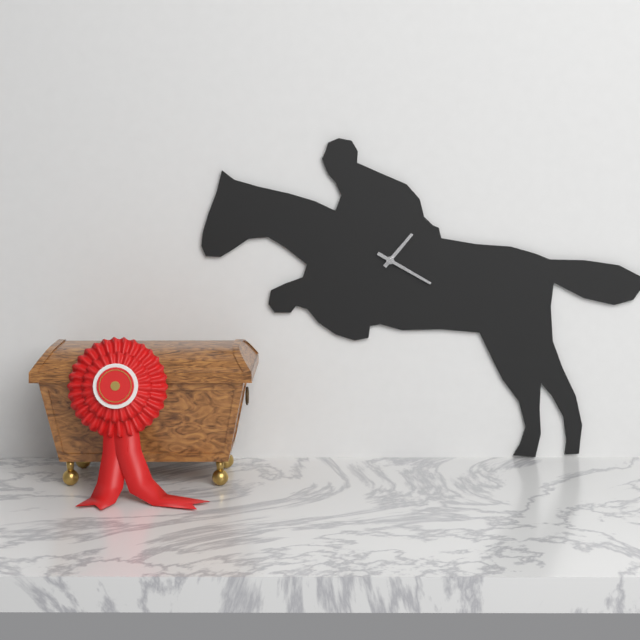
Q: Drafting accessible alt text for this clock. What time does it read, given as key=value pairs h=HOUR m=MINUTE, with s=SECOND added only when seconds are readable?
h=1 m=20
